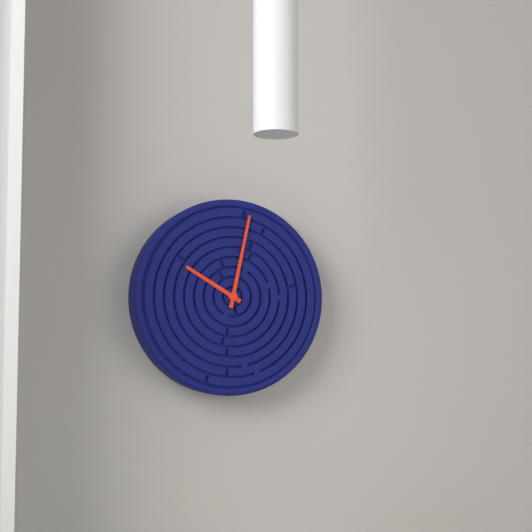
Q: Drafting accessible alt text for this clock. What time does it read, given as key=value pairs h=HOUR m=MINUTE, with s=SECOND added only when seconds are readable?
h=10 m=2
